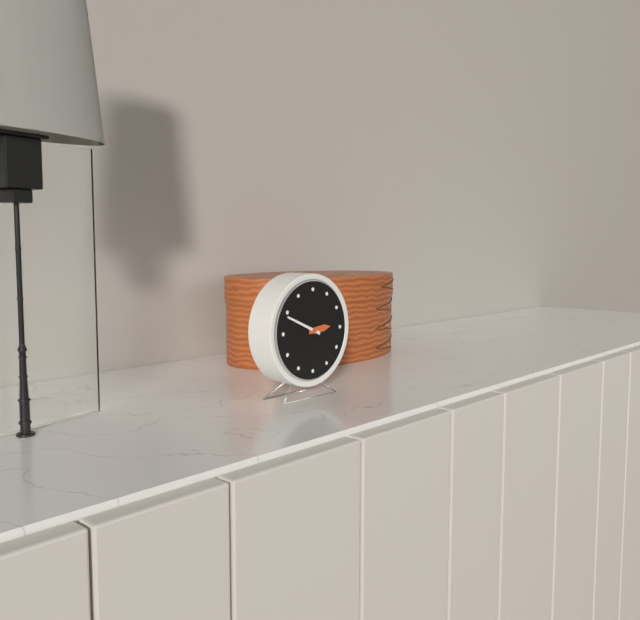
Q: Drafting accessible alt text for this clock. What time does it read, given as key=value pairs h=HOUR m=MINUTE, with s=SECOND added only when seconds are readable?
h=2 m=49
